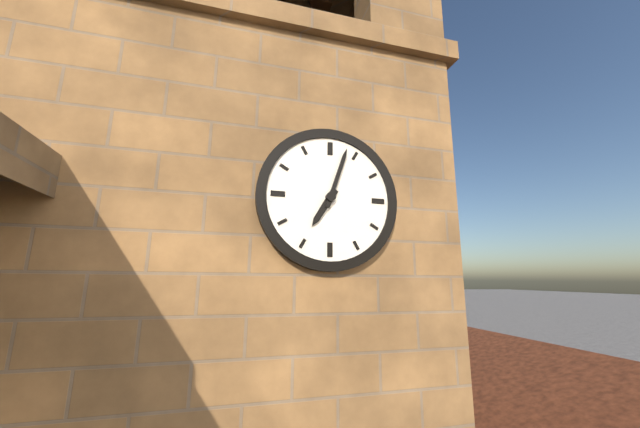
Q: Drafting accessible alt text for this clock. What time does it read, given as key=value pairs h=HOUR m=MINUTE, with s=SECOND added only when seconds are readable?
h=7 m=3
